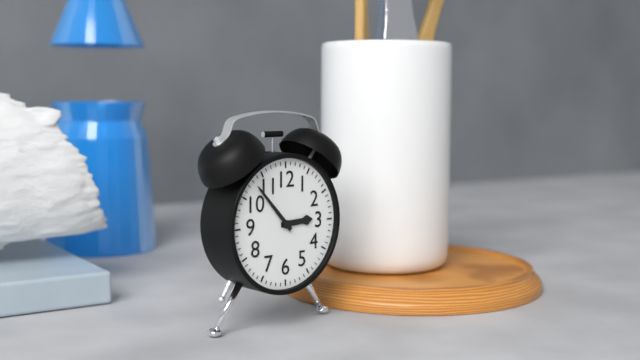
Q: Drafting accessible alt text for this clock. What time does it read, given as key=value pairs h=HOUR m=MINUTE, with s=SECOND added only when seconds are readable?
h=2 m=53
